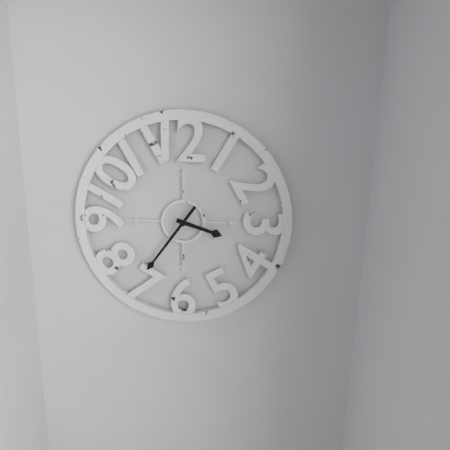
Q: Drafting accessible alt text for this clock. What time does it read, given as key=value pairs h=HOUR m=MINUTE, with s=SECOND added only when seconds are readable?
h=3 m=36
